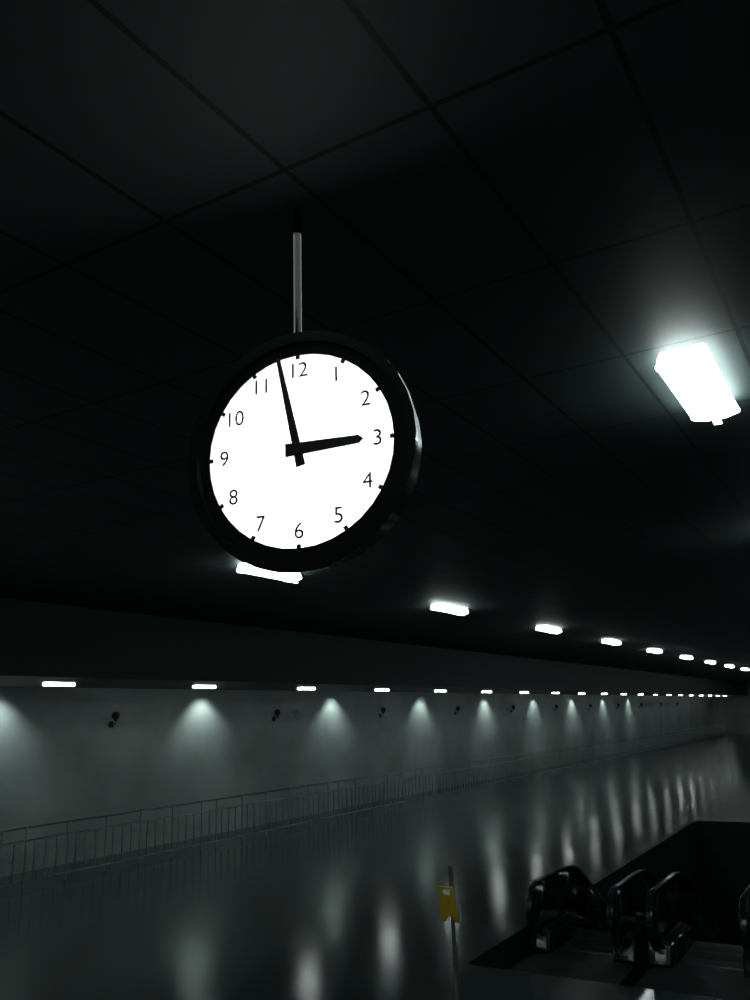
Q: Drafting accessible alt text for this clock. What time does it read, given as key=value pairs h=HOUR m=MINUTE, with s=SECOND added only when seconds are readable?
h=2 m=58
